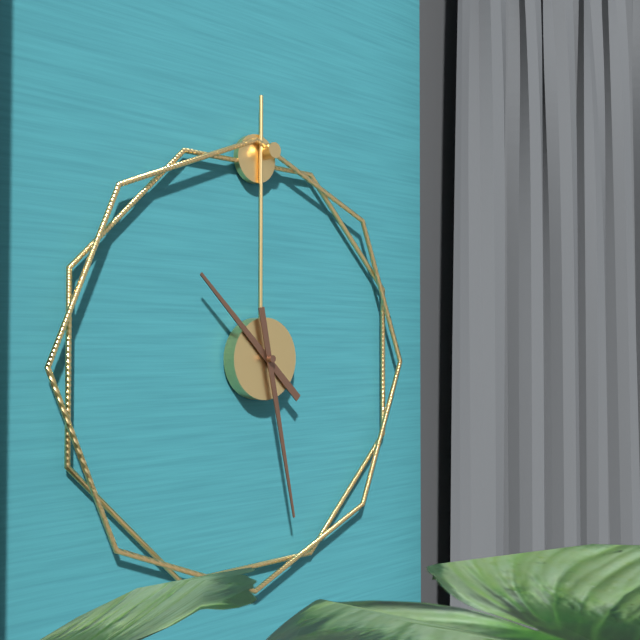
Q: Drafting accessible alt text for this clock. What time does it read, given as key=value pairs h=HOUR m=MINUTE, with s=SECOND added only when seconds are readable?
h=10 m=28
